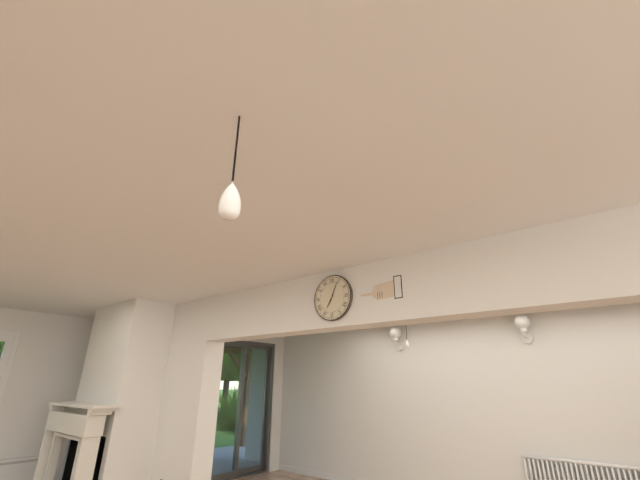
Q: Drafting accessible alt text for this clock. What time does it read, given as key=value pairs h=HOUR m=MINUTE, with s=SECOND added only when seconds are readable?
h=7 m=4
